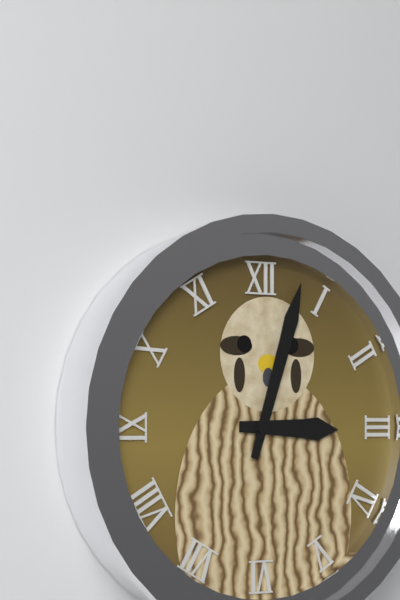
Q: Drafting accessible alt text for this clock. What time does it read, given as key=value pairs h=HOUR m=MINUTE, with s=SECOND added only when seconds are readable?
h=3 m=3
